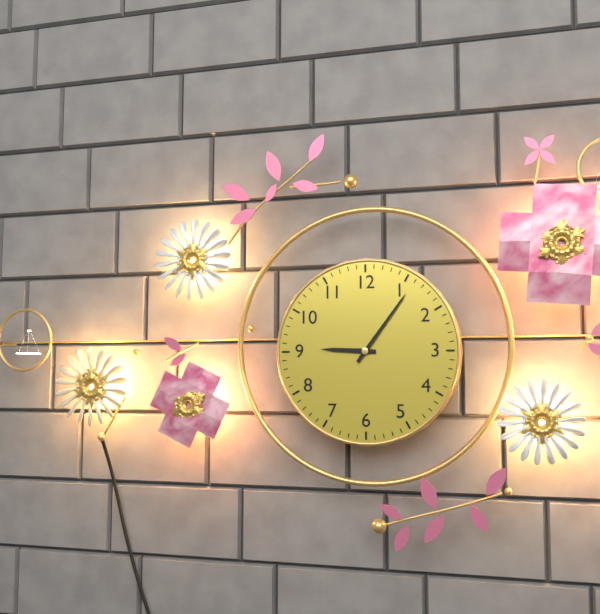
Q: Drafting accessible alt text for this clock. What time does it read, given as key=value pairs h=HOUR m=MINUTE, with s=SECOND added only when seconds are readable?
h=9 m=6
